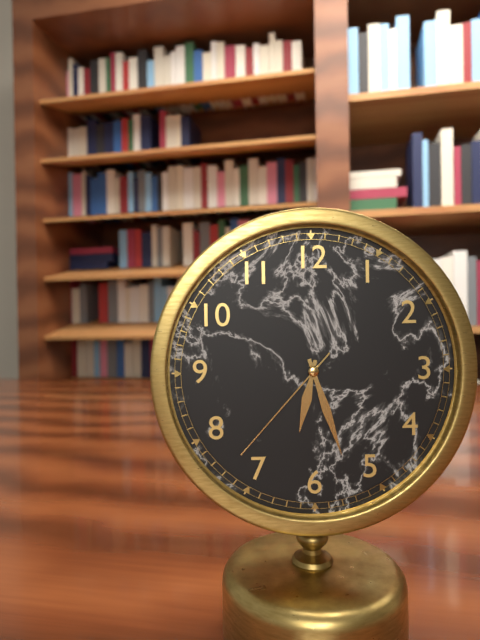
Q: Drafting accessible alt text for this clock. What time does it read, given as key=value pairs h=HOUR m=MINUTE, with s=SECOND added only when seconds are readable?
h=6 m=27 s=37
